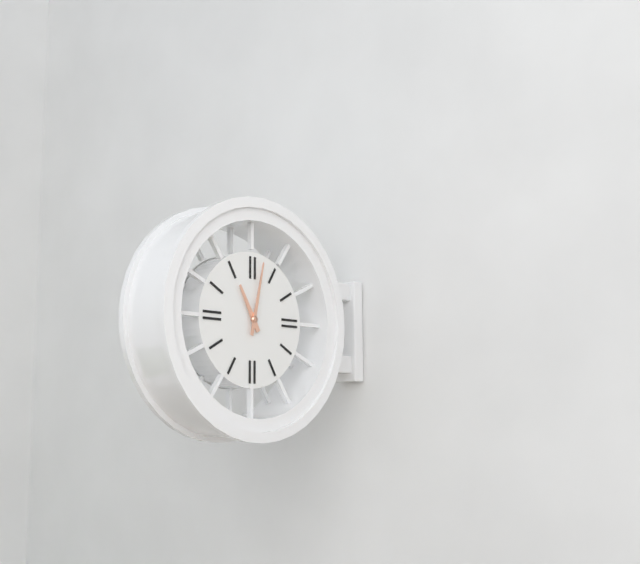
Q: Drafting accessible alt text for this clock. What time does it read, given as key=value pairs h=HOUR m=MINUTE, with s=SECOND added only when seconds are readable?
h=11 m=2
